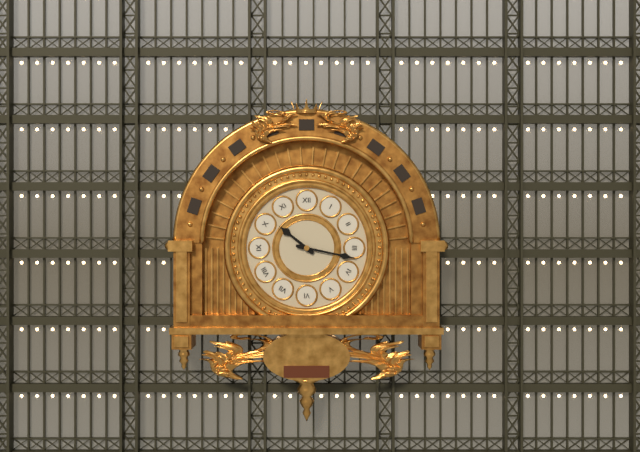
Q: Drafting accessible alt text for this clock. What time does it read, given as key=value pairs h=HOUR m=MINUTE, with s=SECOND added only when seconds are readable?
h=10 m=17
